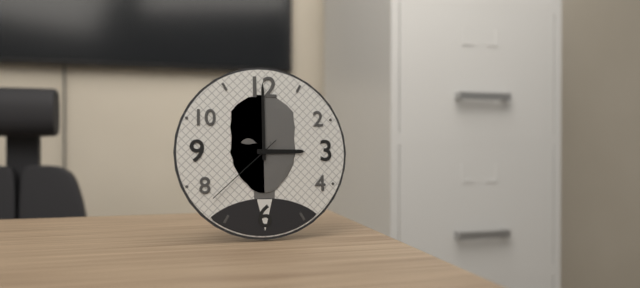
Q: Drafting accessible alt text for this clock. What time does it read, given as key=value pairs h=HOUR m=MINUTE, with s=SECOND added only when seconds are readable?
h=3 m=0 s=38
